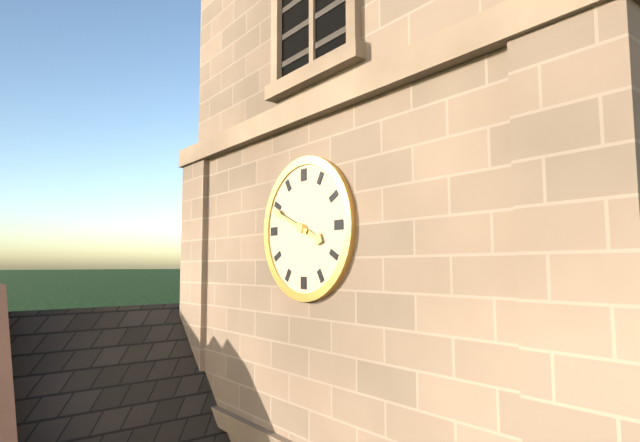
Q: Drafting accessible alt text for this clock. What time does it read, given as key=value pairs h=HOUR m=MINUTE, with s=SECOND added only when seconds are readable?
h=3 m=49
